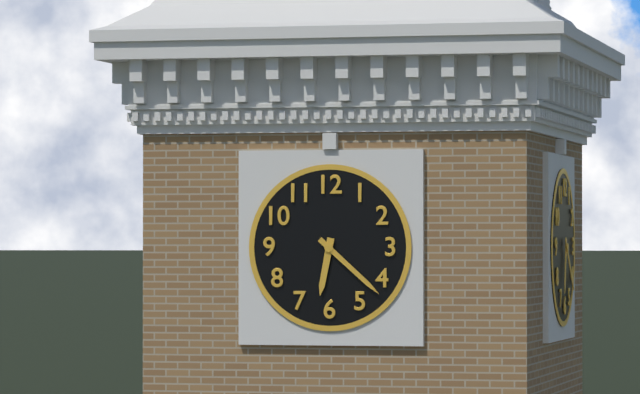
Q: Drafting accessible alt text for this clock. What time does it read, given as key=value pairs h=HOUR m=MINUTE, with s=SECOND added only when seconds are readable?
h=6 m=22
